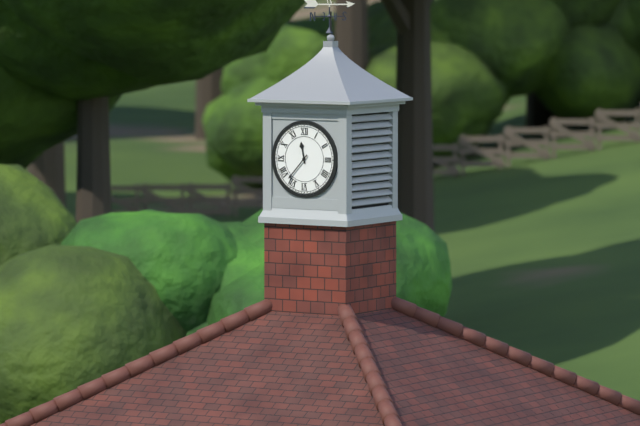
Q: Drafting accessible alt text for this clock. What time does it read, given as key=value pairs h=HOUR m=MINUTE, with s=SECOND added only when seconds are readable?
h=11 m=37
